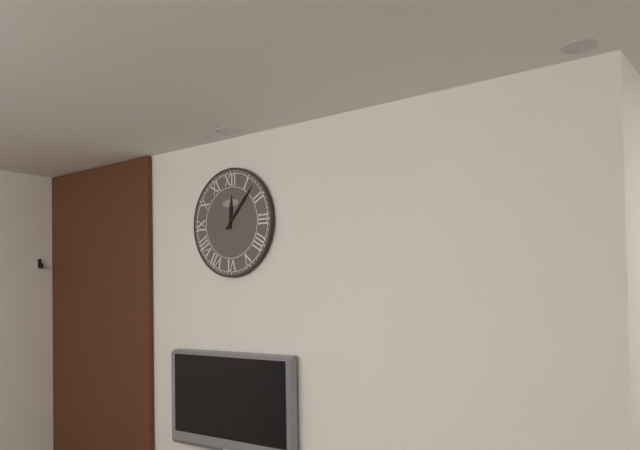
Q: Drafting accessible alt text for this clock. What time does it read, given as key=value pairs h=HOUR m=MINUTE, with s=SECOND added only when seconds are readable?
h=12 m=7
